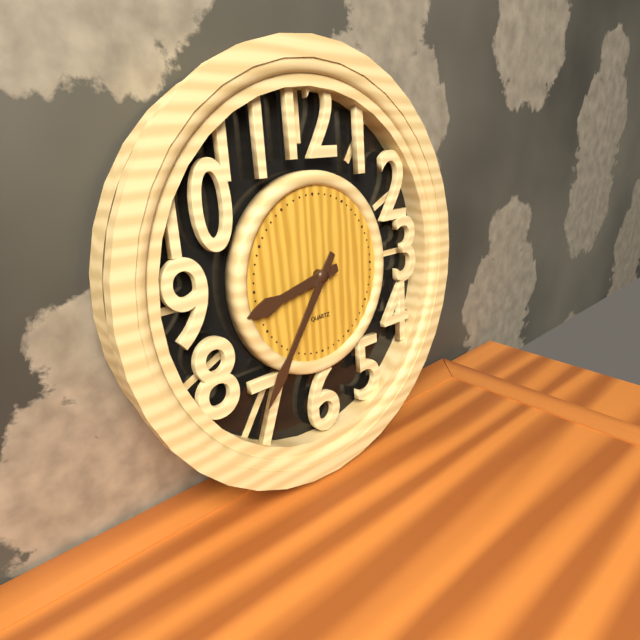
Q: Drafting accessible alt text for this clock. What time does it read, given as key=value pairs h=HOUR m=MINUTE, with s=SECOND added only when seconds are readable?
h=8 m=36
